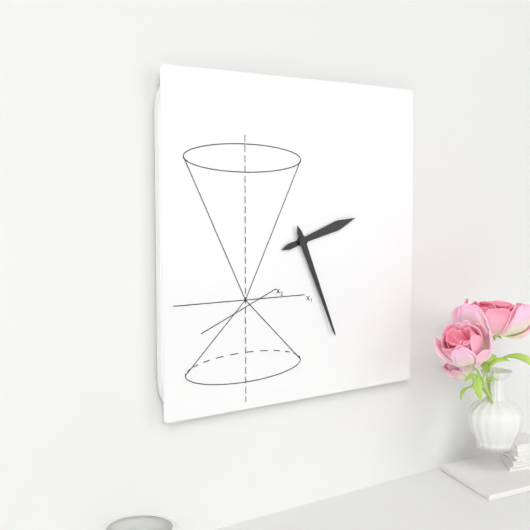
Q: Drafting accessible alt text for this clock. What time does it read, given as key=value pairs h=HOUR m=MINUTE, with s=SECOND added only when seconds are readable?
h=2 m=26
